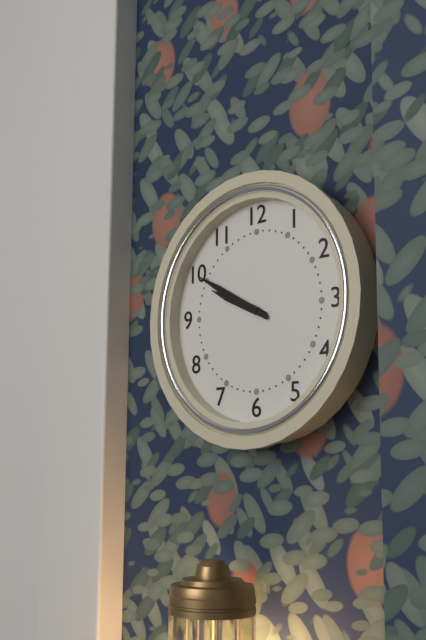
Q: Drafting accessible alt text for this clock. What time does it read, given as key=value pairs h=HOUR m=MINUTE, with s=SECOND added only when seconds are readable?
h=9 m=50
